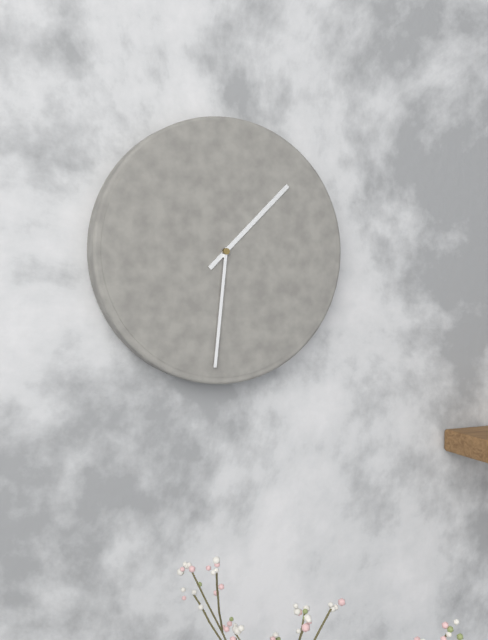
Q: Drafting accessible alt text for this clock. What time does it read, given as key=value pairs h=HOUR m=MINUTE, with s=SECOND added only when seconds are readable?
h=1 m=31
